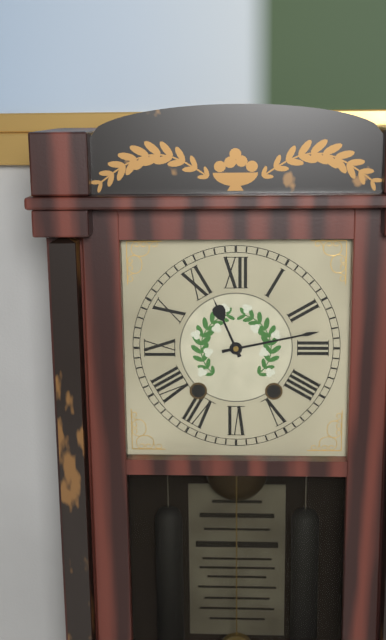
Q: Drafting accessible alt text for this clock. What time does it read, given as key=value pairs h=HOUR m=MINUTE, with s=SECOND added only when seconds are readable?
h=11 m=13
